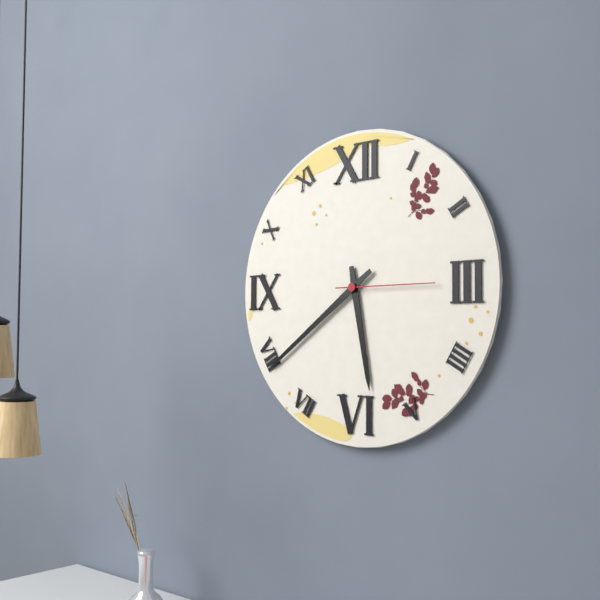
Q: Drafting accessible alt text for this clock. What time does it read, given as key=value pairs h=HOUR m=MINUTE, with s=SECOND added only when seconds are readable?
h=5 m=39 s=15
